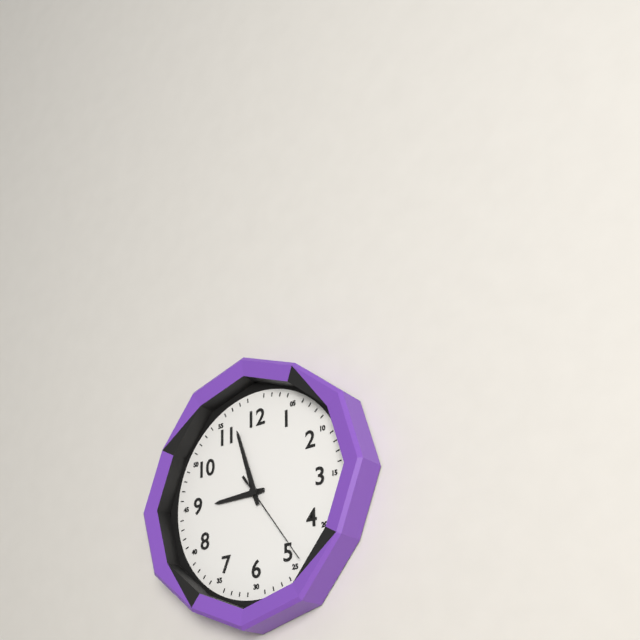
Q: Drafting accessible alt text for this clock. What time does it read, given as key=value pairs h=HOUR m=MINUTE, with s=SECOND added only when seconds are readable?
h=8 m=57 s=24
